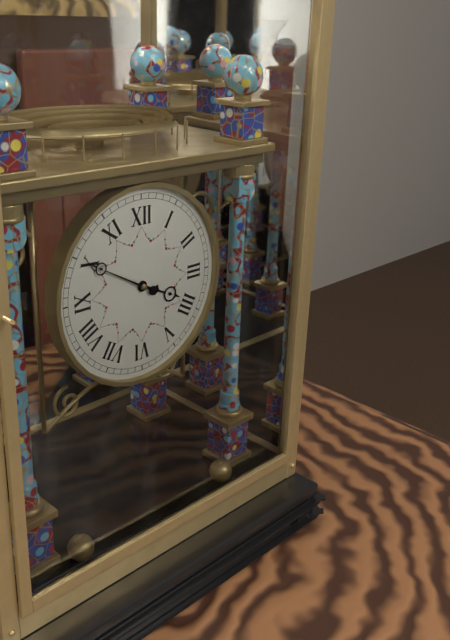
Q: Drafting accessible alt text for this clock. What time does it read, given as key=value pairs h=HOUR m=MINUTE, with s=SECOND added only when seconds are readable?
h=3 m=50
